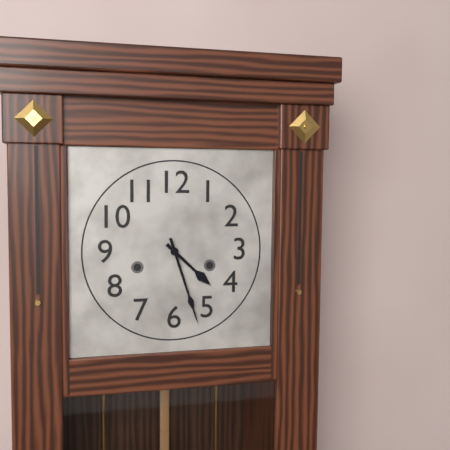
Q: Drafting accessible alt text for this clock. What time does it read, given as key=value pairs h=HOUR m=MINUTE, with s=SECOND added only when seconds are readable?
h=4 m=27
